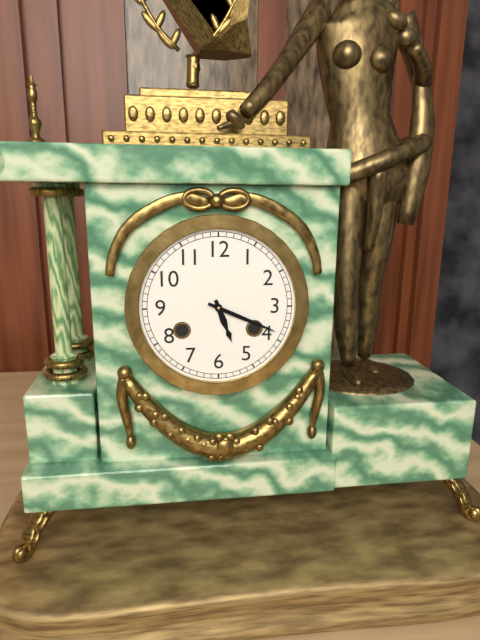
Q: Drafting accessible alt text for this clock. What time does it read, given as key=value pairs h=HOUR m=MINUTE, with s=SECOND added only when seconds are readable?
h=5 m=19
